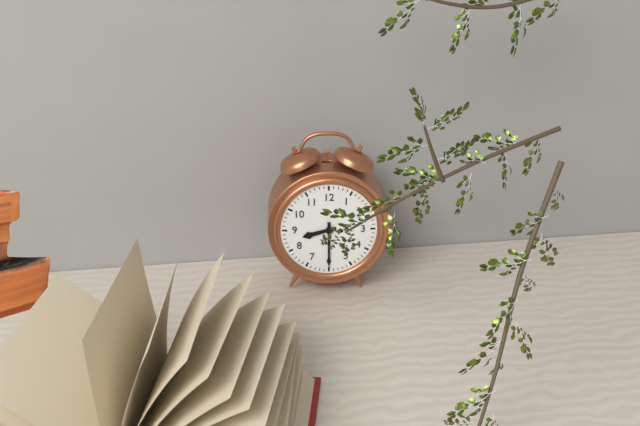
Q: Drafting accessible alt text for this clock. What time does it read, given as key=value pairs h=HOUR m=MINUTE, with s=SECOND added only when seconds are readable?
h=8 m=30
